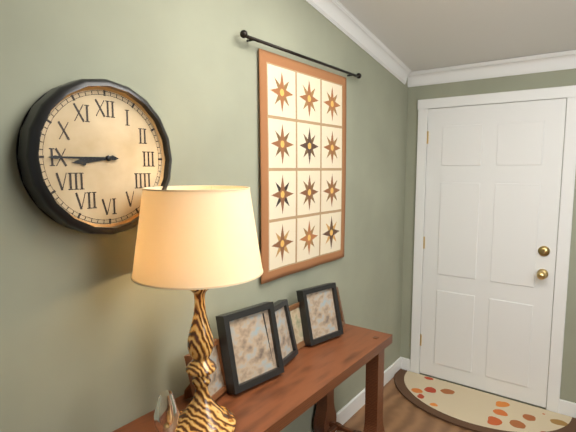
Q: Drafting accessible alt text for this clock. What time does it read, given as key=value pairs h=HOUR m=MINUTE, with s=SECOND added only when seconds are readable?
h=8 m=45
